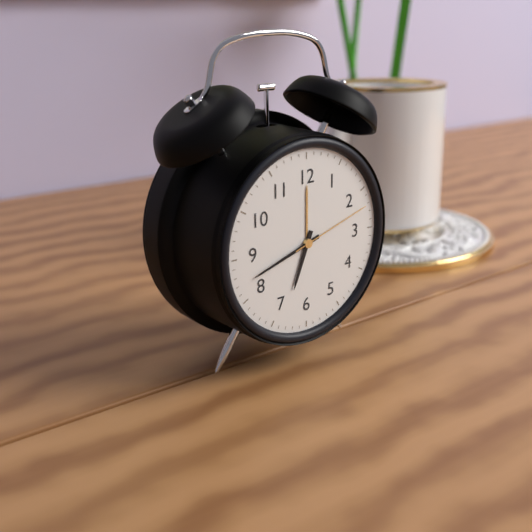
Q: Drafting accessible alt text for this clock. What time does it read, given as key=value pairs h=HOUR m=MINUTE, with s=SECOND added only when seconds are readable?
h=6 m=42 s=12
